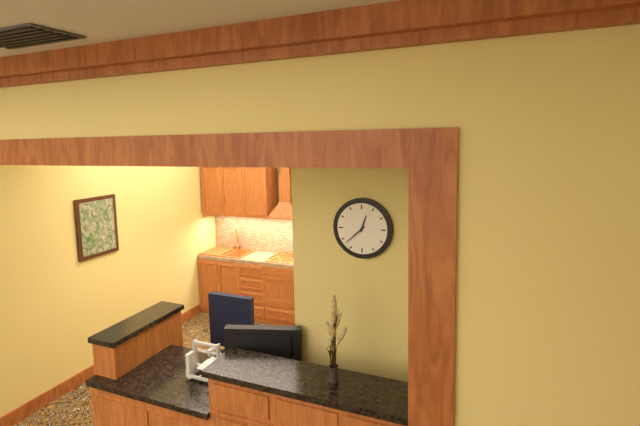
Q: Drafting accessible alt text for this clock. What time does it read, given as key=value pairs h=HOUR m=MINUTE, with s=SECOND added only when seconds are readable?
h=12 m=38
